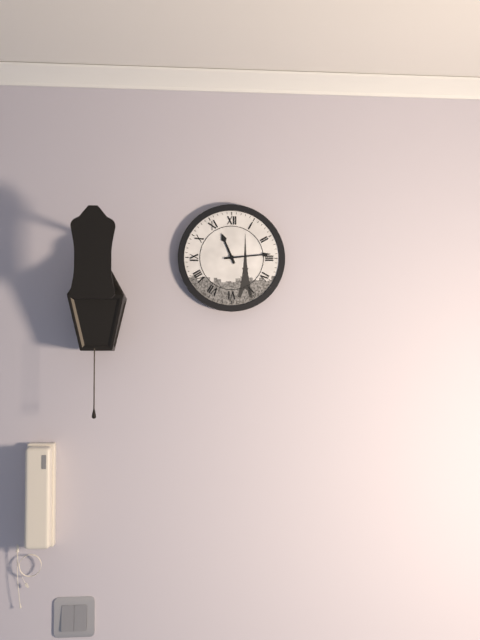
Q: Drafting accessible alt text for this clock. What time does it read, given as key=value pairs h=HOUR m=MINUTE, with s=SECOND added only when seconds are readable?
h=11 m=14
